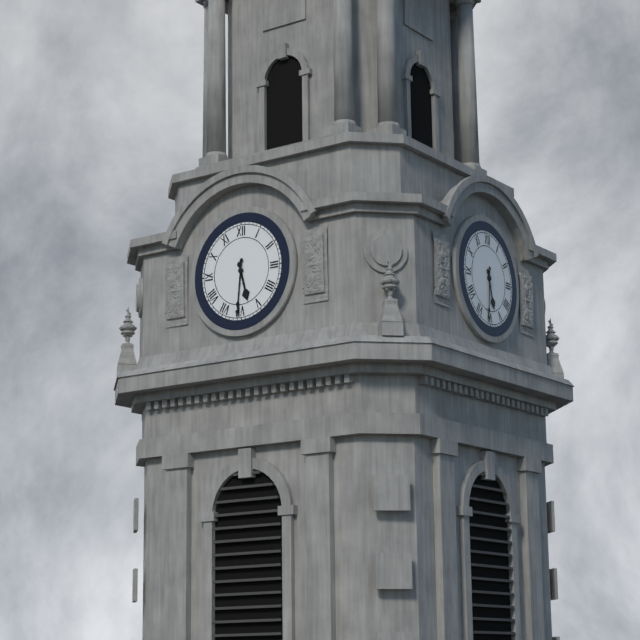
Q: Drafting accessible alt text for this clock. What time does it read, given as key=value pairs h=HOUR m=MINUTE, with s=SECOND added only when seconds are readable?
h=5 m=31
